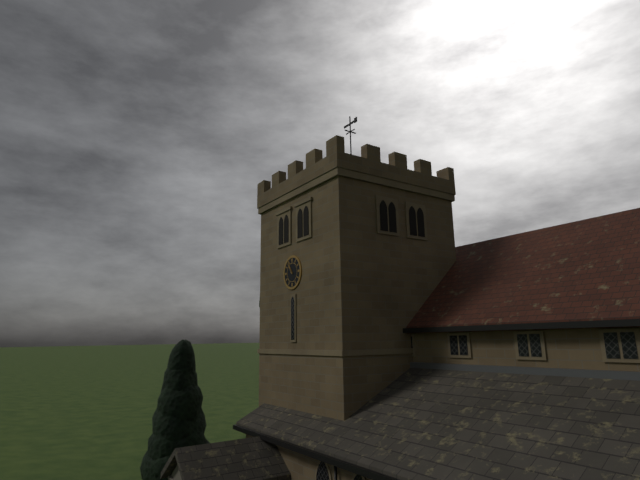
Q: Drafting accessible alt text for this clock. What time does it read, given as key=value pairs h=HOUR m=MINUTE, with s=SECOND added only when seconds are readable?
h=10 m=54
